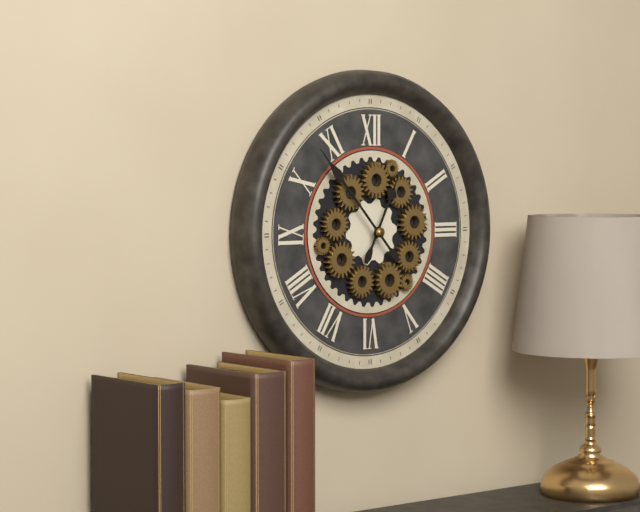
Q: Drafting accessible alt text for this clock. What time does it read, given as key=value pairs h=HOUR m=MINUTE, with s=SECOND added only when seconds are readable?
h=12 m=53
